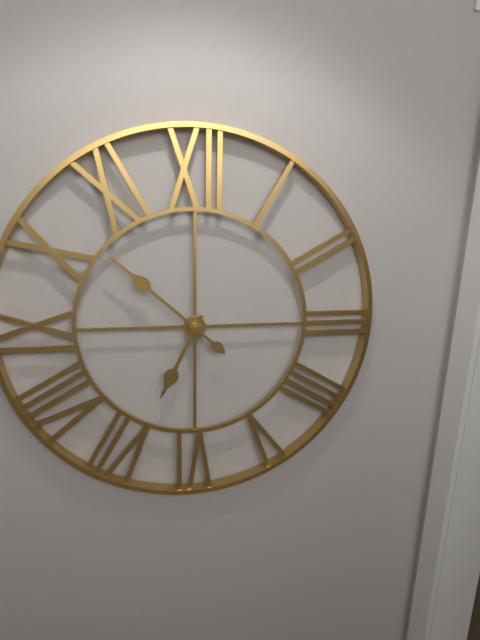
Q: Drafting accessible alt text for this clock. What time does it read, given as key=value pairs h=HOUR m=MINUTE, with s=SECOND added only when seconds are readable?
h=6 m=52
